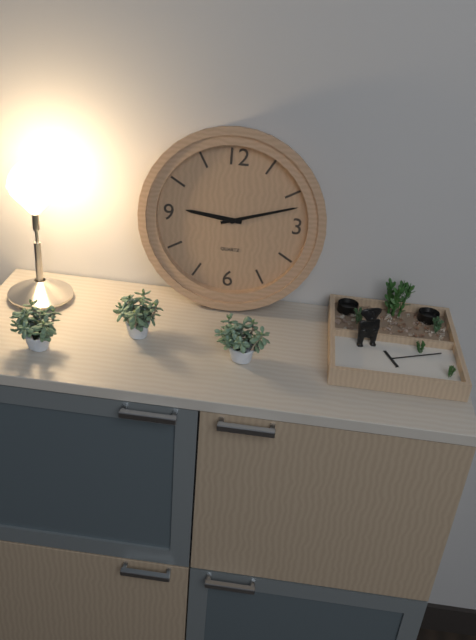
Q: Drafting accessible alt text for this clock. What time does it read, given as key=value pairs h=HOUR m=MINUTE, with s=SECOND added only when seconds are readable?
h=9 m=12
